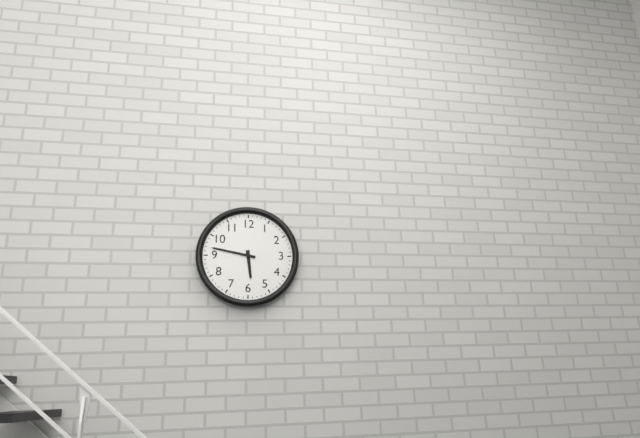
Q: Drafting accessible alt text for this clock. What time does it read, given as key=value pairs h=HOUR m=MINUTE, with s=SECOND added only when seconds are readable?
h=5 m=47
